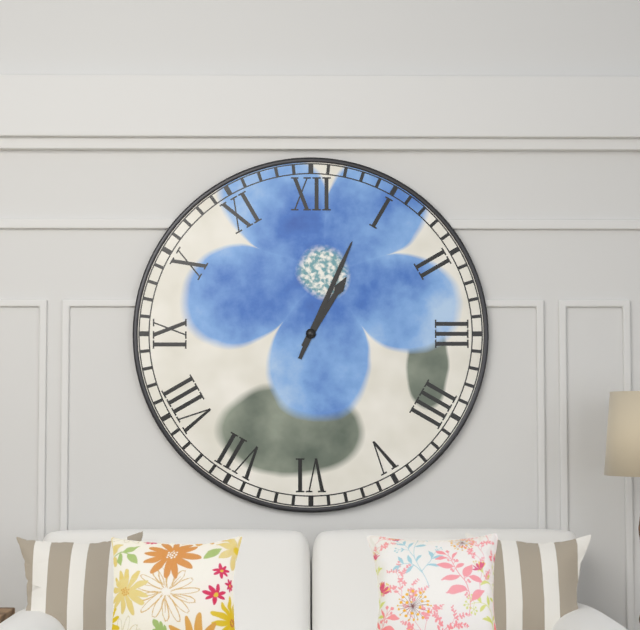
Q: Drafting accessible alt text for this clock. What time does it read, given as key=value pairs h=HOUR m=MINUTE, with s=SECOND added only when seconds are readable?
h=1 m=4
